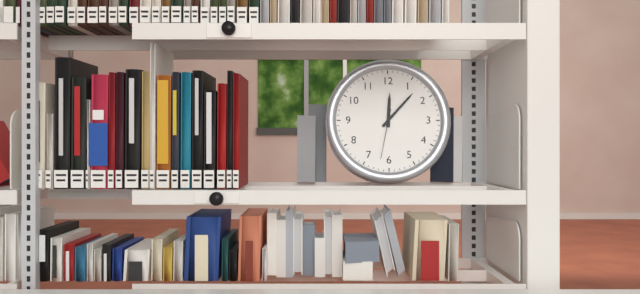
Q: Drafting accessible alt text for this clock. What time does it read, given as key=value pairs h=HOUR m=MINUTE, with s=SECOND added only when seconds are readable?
h=12 m=7
